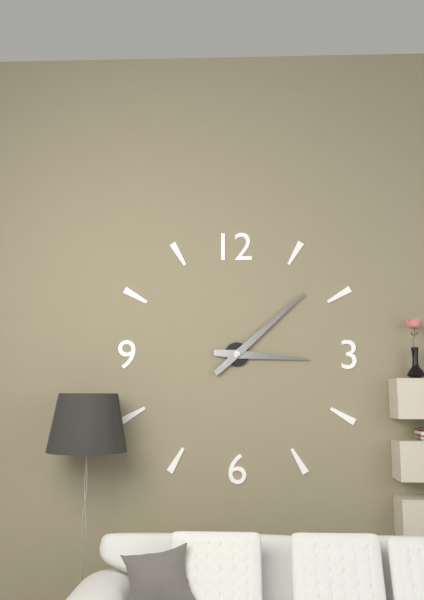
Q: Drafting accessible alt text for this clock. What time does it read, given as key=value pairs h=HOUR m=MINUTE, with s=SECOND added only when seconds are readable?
h=3 m=8
